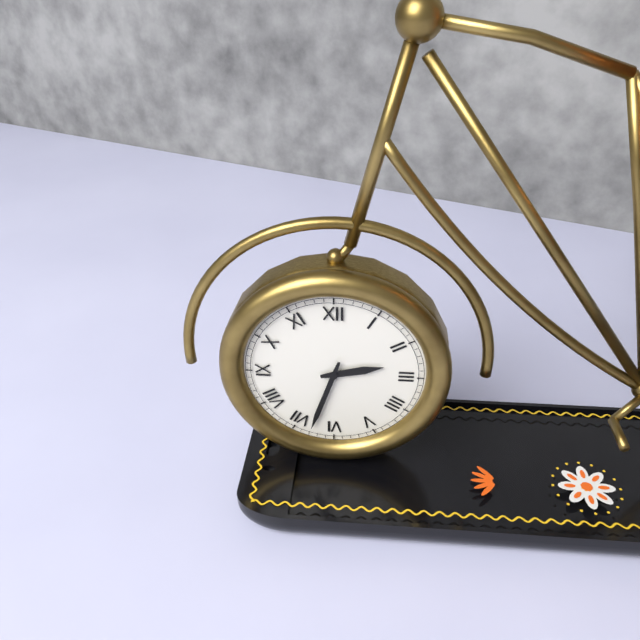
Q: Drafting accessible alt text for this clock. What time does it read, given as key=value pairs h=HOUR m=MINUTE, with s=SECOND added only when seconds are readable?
h=2 m=33
